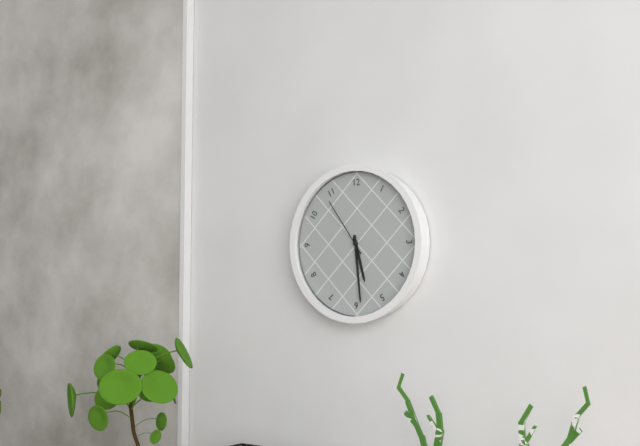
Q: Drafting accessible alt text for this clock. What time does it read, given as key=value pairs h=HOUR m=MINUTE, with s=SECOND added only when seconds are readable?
h=5 m=29 s=54
